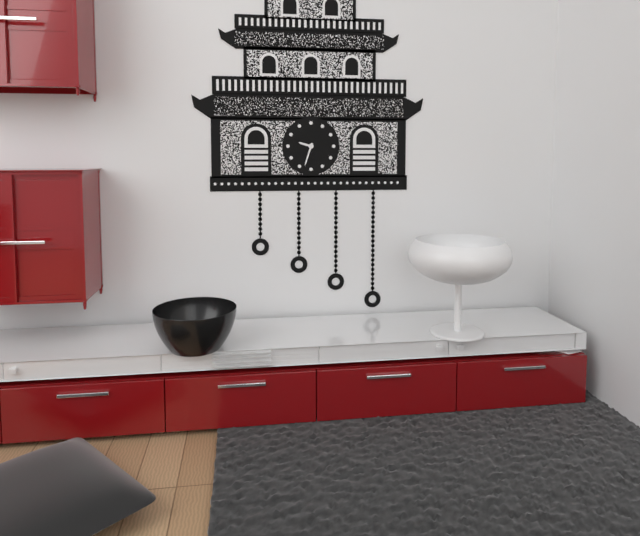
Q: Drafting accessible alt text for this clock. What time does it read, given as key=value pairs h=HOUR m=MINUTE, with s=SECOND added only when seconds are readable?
h=9 m=33
